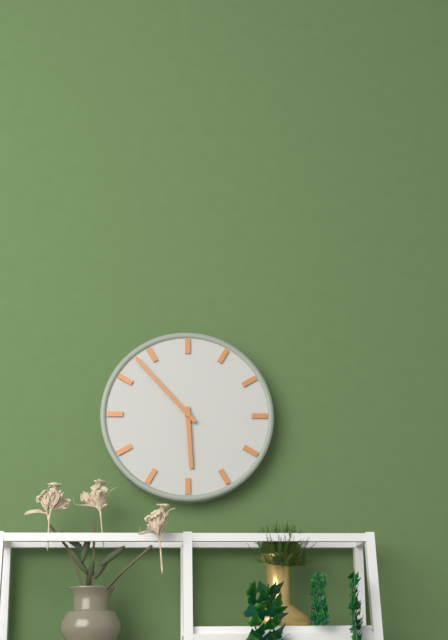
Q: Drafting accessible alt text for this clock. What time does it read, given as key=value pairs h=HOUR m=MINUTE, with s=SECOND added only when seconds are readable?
h=5 m=53
